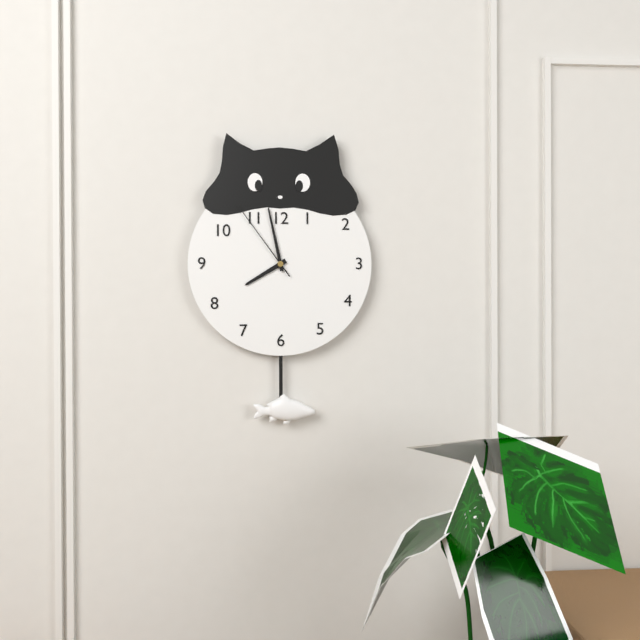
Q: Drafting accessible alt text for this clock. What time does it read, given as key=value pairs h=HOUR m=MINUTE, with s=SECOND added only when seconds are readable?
h=7 m=58 s=54
